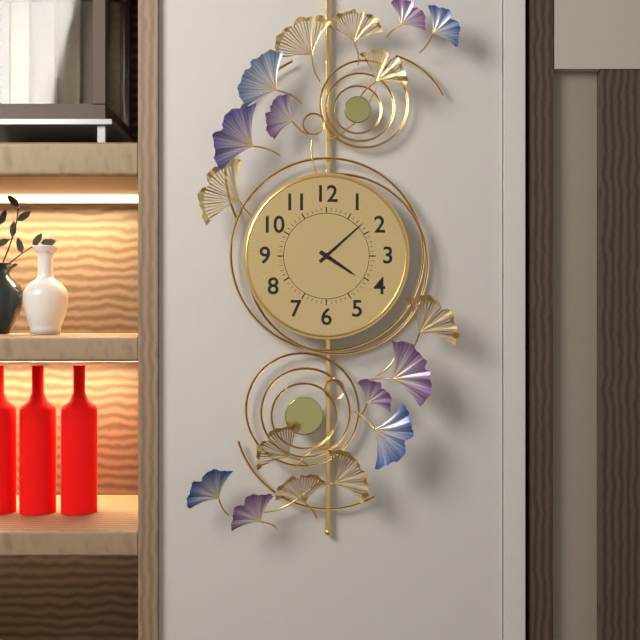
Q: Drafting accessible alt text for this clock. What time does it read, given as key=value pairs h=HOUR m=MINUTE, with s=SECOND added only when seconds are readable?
h=4 m=8
